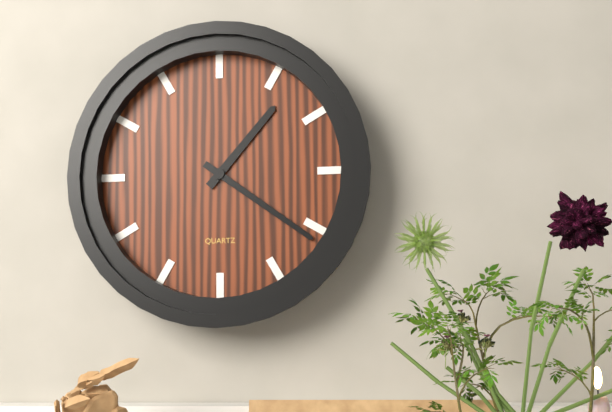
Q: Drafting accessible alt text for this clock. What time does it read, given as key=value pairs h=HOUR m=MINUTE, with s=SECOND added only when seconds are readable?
h=1 m=21
